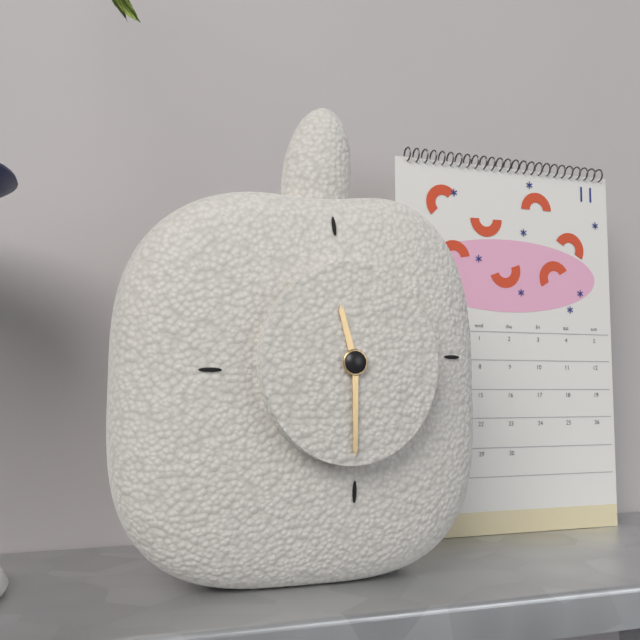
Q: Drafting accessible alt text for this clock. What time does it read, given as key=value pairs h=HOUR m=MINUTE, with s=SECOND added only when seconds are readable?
h=11 m=30
